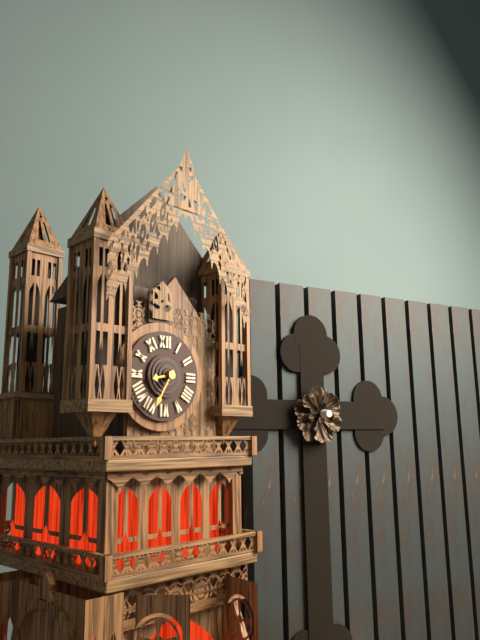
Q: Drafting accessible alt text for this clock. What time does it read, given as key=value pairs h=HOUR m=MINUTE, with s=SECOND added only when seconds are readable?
h=8 m=35
